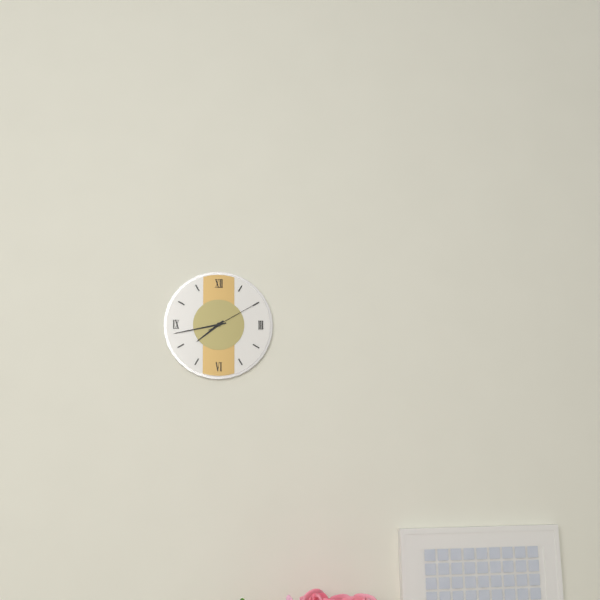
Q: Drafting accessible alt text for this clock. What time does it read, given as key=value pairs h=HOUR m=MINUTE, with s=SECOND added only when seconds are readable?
h=7 m=43 s=10
